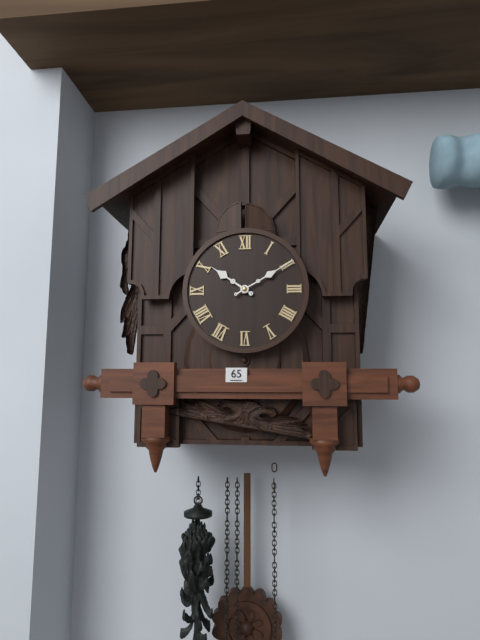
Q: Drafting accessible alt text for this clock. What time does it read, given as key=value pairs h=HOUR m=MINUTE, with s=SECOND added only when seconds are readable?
h=10 m=10
